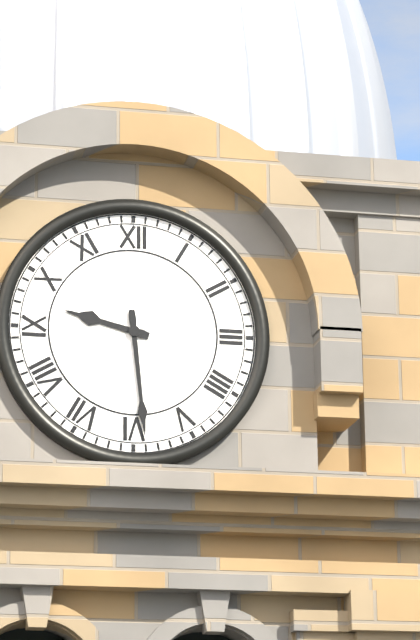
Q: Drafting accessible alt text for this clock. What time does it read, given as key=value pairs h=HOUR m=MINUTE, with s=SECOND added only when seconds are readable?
h=9 m=29
